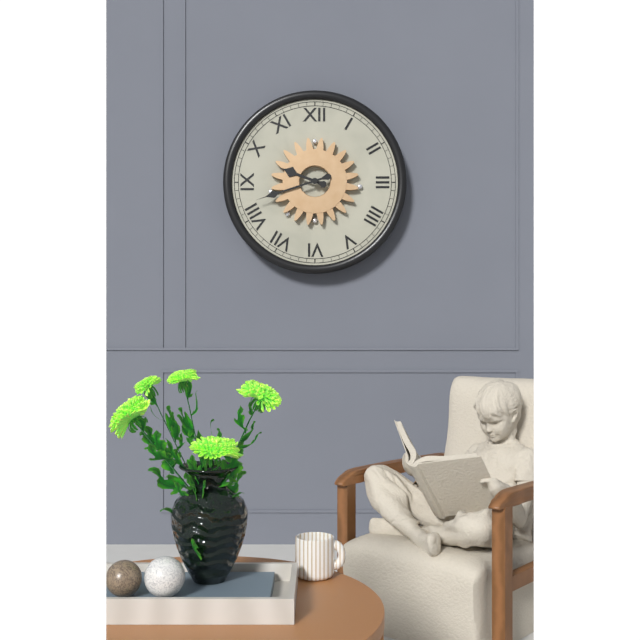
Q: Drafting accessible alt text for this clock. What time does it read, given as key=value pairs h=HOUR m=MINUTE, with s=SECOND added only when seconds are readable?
h=9 m=42
